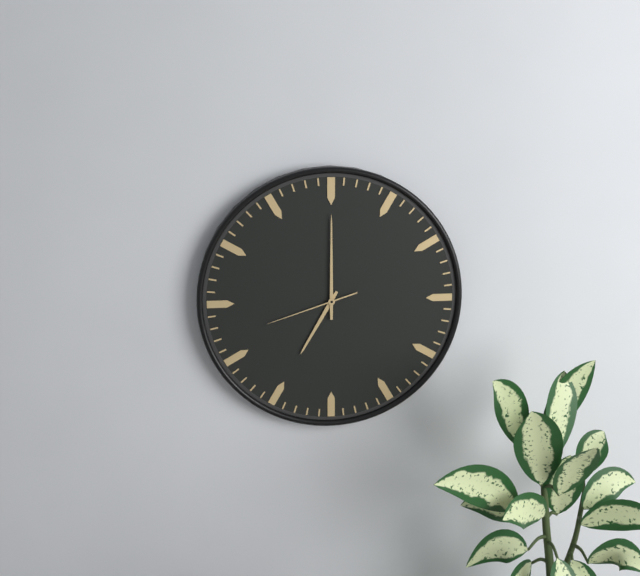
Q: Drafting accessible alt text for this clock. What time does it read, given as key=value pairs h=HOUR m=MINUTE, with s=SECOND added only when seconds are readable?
h=7 m=0 s=42
